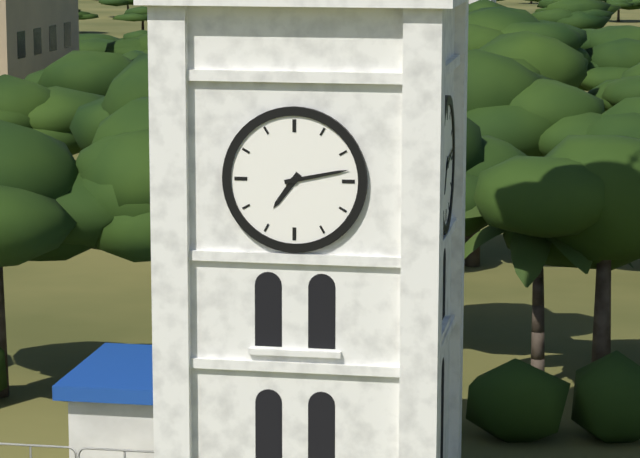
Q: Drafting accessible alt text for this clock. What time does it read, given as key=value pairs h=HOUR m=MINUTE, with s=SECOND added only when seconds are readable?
h=7 m=13
